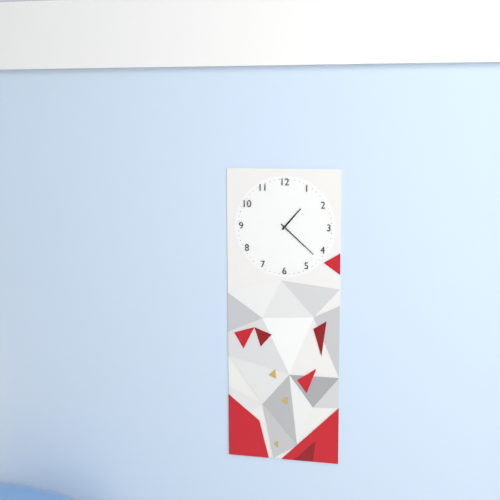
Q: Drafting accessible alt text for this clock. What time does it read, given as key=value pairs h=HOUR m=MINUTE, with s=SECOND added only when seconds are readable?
h=1 m=22
